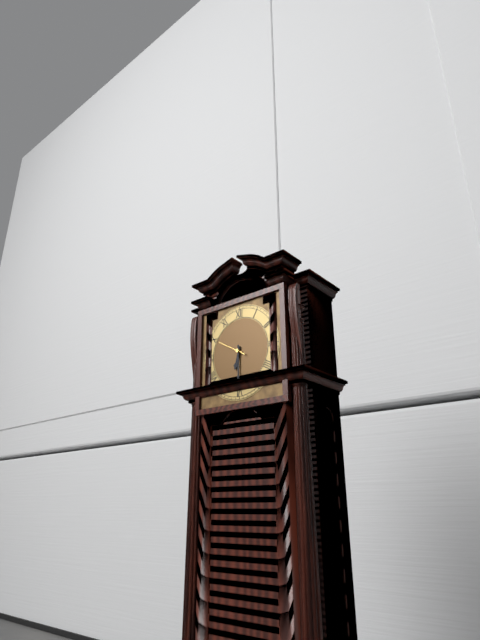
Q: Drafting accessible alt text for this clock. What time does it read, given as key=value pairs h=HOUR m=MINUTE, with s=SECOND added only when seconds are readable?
h=6 m=30
